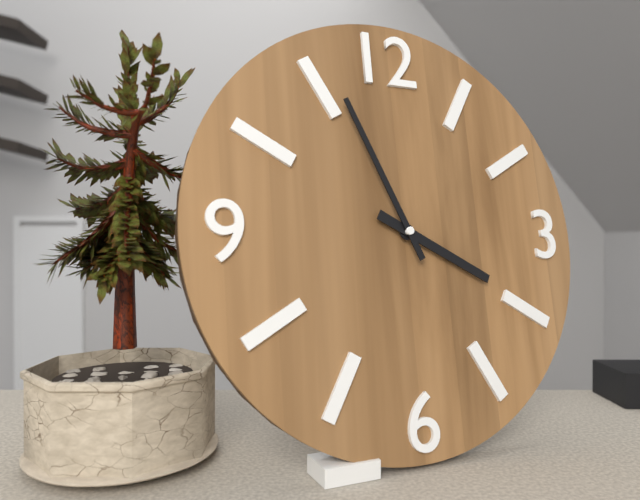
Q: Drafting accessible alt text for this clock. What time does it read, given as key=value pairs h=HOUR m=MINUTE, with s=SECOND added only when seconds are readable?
h=3 m=56
